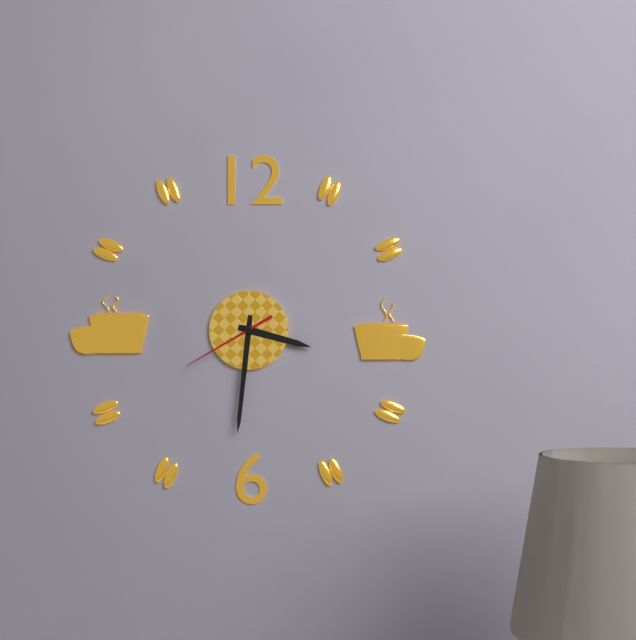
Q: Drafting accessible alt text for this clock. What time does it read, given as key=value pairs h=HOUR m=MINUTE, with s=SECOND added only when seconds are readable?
h=3 m=31 s=40
